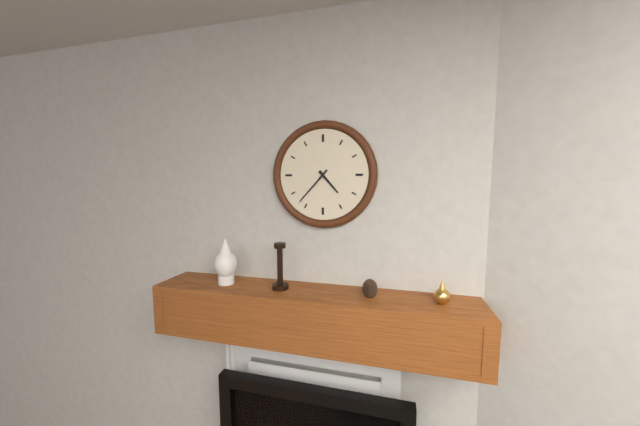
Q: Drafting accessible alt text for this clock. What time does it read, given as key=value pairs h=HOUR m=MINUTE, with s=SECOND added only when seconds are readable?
h=4 m=37
